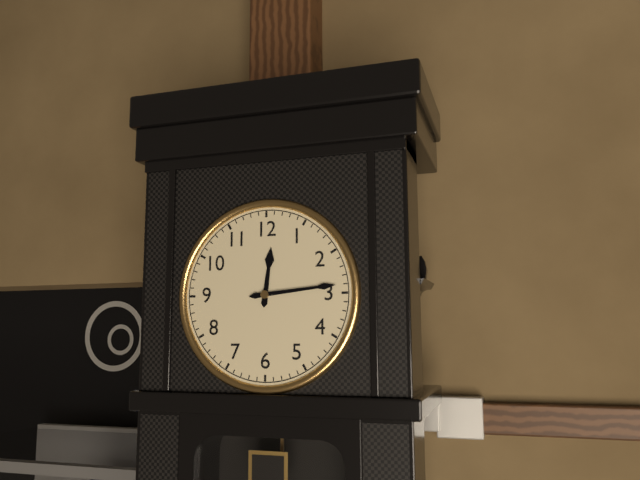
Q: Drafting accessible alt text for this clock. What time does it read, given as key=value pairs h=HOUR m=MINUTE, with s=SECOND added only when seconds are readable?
h=12 m=14
